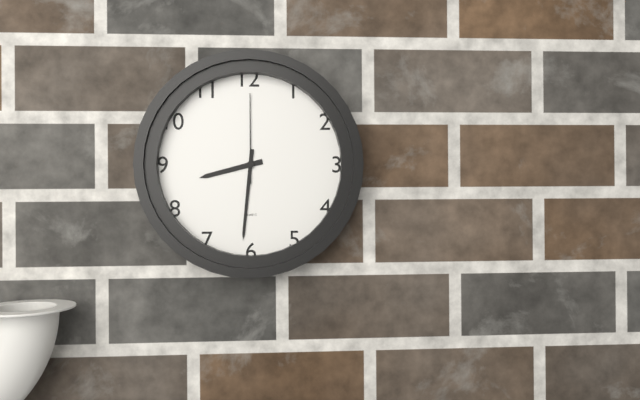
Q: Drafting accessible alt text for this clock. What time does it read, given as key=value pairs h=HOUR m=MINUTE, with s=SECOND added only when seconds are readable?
h=8 m=31 s=0
